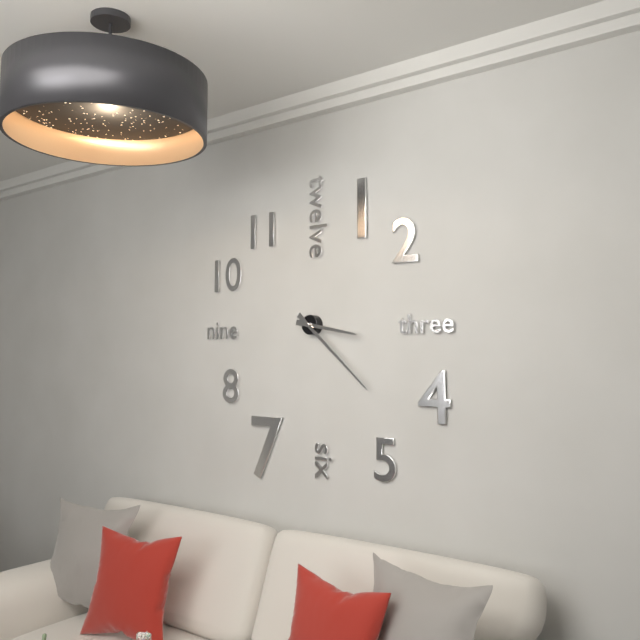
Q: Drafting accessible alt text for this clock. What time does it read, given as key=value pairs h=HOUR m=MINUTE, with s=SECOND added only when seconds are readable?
h=3 m=22
